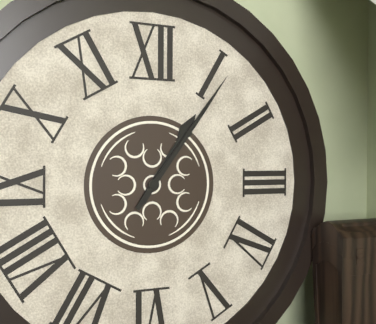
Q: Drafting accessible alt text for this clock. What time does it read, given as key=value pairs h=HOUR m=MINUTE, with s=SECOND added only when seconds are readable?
h=1 m=6
